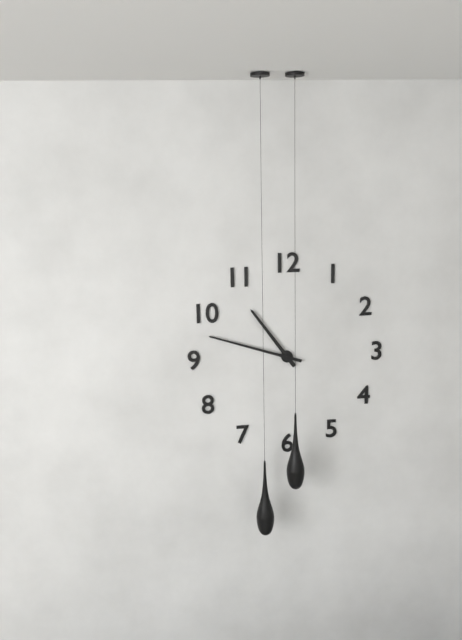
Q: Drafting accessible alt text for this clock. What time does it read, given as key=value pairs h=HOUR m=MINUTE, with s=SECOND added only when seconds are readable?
h=10 m=48
